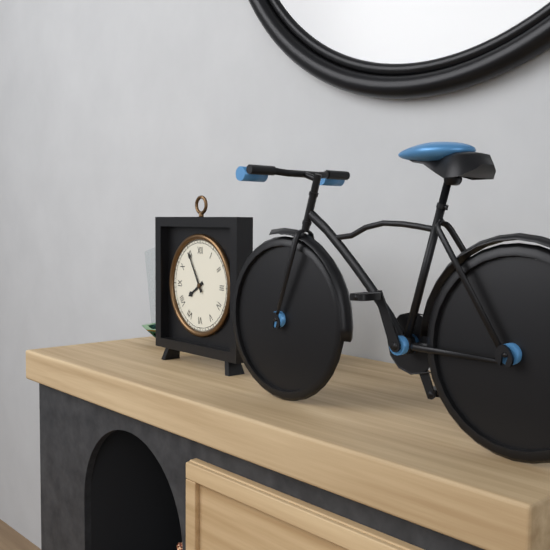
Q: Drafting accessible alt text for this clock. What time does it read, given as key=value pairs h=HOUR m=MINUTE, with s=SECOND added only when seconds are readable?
h=7 m=55
